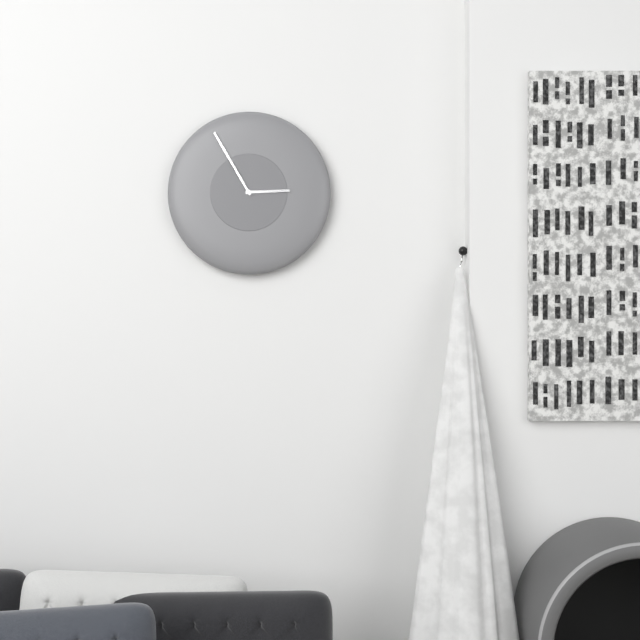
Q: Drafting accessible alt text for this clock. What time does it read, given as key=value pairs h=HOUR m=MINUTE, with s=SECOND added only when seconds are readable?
h=2 m=55
